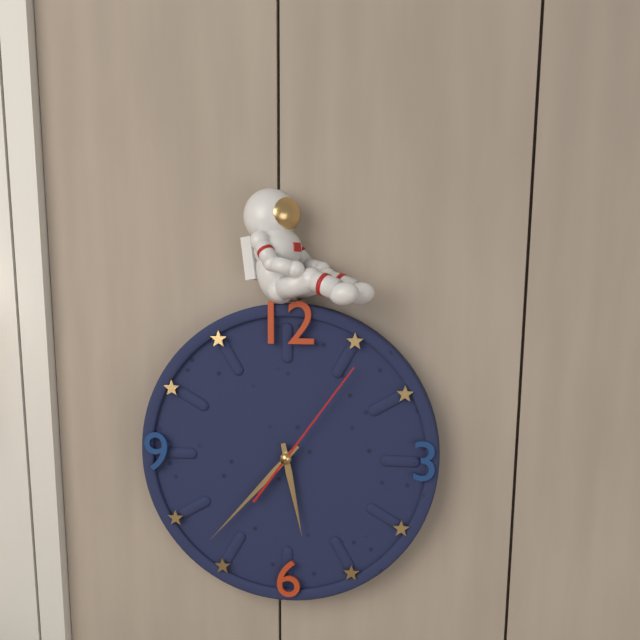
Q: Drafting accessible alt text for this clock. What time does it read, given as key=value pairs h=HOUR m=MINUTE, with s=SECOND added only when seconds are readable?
h=5 m=37 s=6
